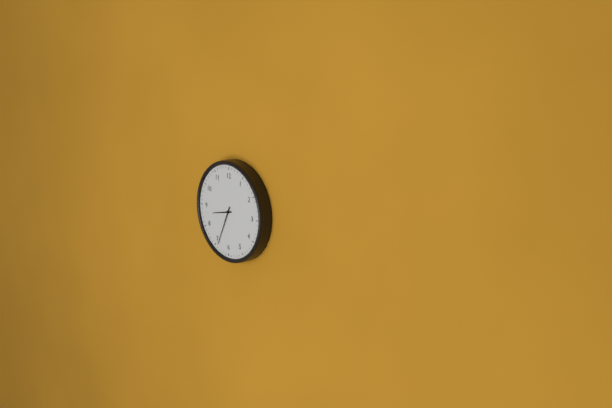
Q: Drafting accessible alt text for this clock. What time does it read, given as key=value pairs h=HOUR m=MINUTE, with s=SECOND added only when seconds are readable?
h=8 m=34
